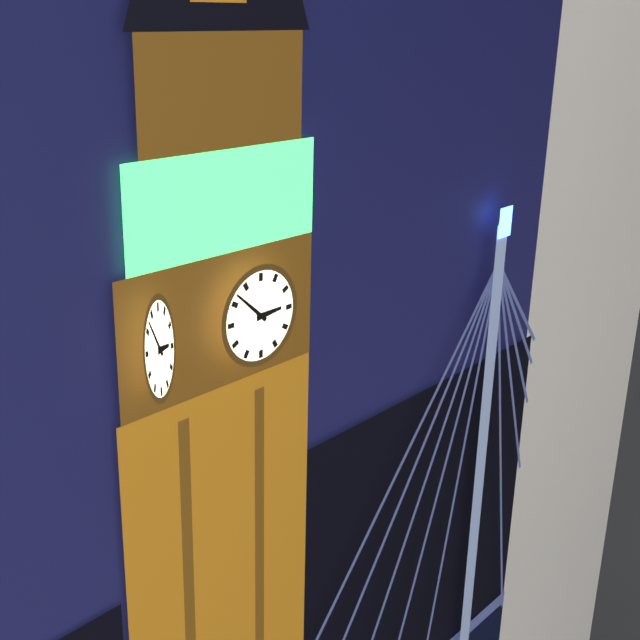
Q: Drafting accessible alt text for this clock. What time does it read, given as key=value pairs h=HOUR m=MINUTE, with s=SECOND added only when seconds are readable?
h=2 m=52
